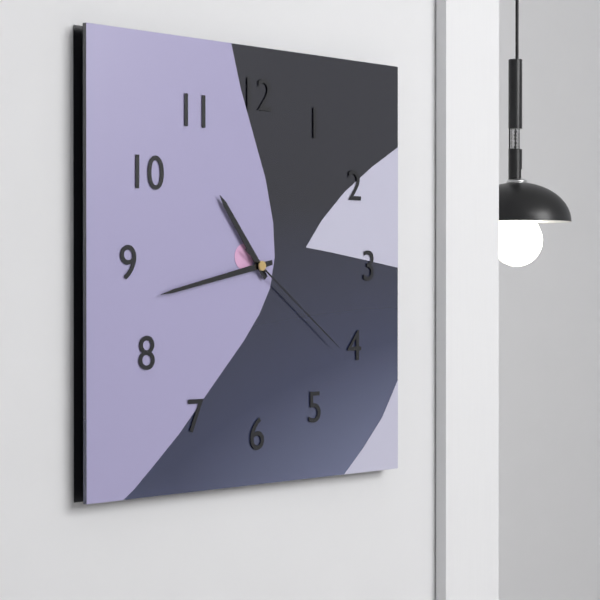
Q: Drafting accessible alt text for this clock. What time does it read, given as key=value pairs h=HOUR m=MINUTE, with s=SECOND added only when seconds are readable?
h=10 m=43 s=21
